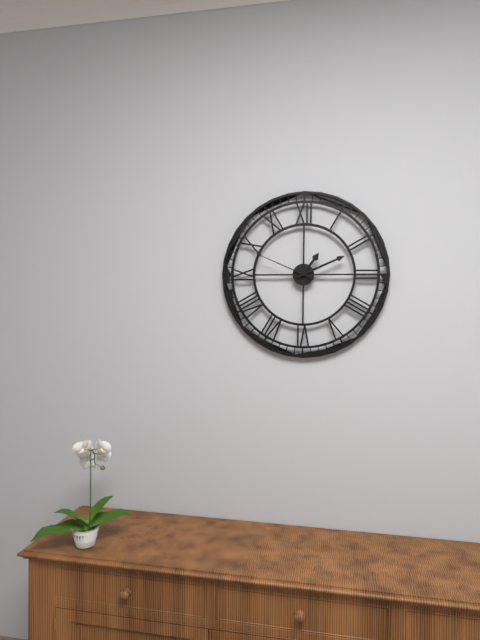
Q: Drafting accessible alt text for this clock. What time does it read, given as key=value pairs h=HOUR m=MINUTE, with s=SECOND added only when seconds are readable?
h=1 m=11 s=49
